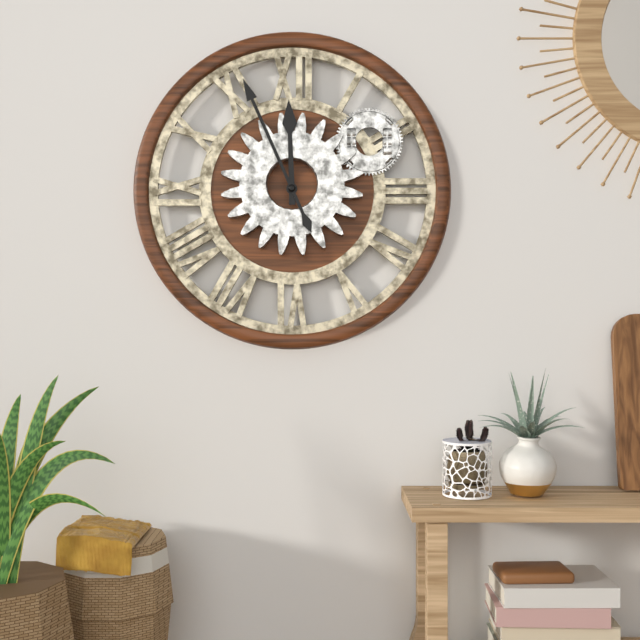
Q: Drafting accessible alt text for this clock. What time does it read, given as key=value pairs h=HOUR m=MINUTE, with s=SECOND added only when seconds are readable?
h=11 m=56
